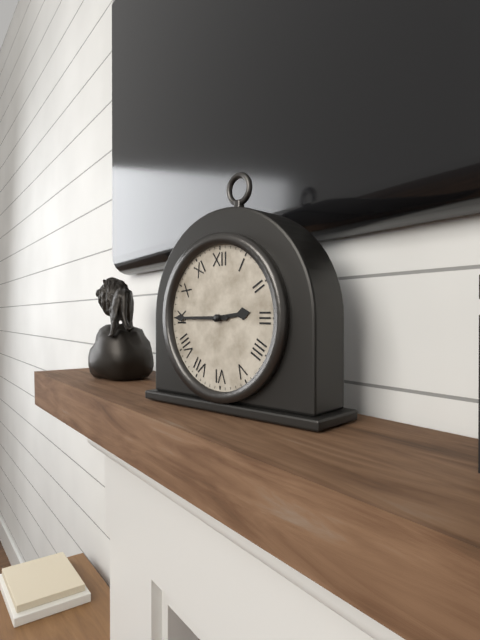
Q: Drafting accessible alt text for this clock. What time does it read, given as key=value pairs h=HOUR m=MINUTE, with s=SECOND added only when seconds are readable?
h=2 m=45
